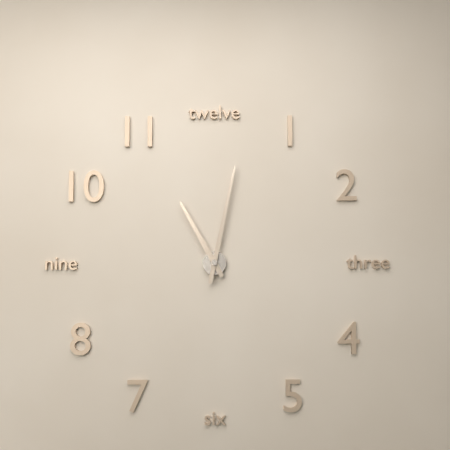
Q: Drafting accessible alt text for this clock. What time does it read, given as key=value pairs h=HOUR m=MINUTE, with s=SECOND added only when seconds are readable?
h=11 m=2
